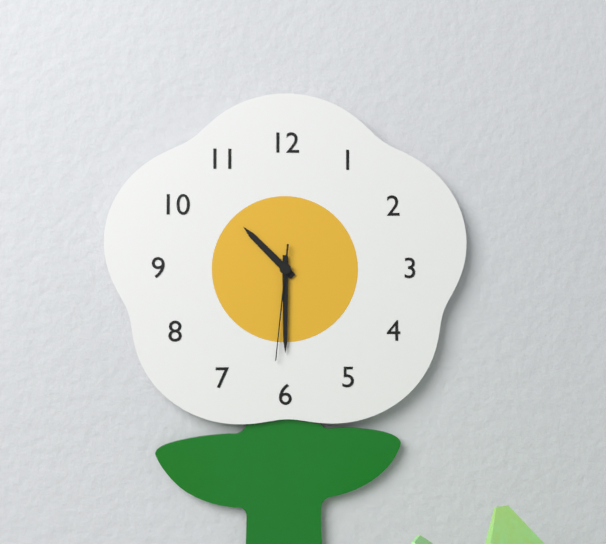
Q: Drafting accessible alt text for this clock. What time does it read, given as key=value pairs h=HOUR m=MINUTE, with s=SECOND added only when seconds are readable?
h=10 m=30 s=31
